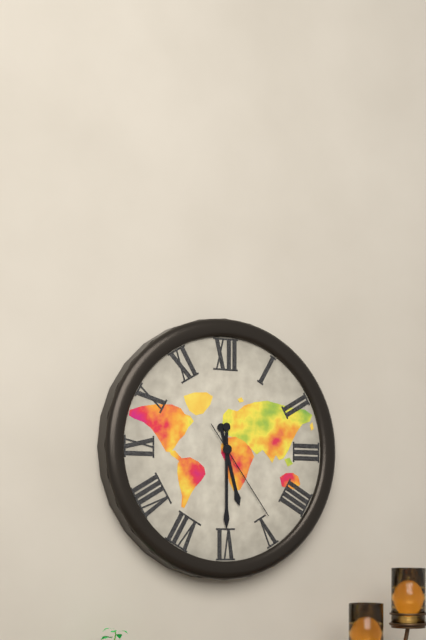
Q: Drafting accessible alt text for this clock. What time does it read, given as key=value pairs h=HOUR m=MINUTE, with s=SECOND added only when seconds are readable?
h=5 m=30 s=24
